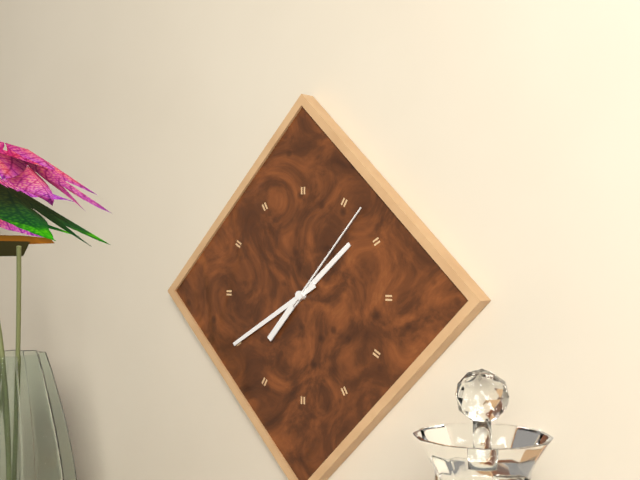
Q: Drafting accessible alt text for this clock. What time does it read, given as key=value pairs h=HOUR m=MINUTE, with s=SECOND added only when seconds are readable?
h=1 m=40 s=7
